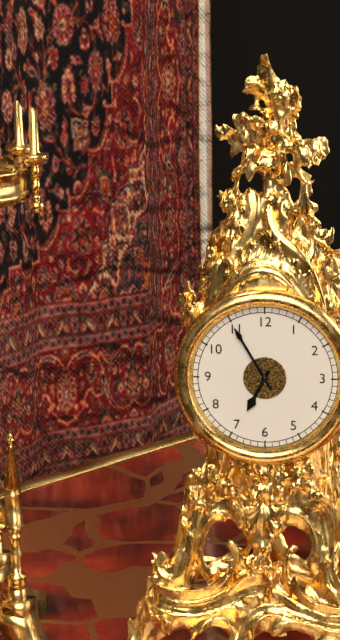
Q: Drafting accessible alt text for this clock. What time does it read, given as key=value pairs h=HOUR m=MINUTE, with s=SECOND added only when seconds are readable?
h=6 m=55
